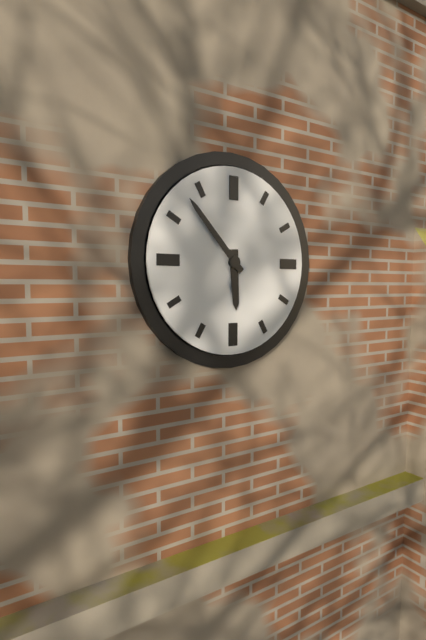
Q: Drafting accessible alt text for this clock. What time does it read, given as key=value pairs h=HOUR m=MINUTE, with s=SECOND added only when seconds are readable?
h=5 m=53
